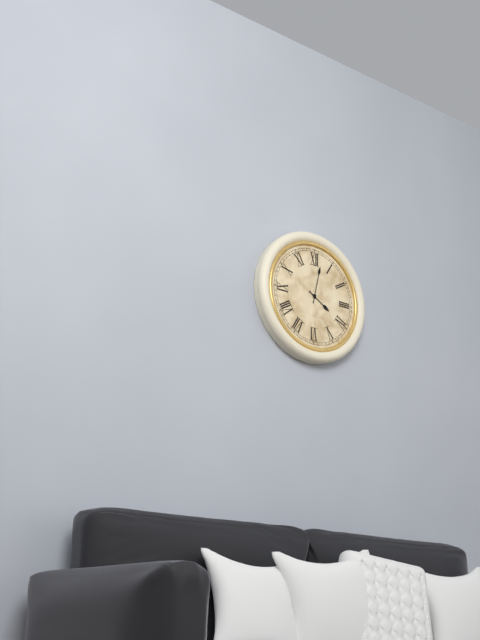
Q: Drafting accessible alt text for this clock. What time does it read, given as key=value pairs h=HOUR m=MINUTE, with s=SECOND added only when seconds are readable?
h=4 m=2
